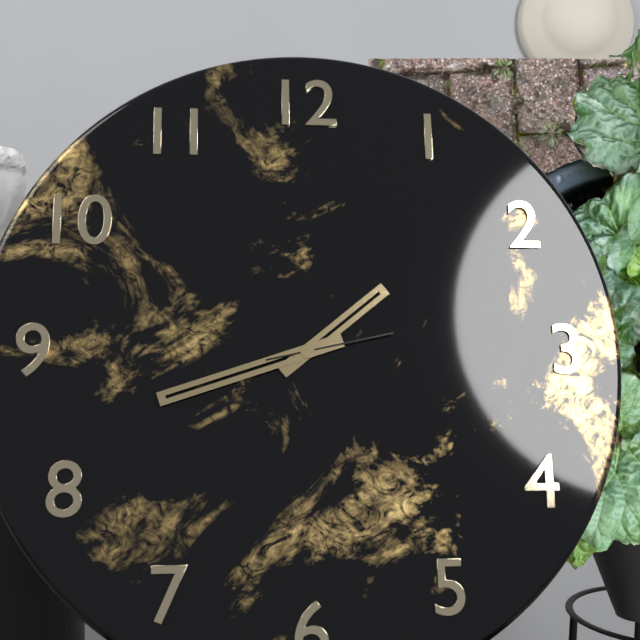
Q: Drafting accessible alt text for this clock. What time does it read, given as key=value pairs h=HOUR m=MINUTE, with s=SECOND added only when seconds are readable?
h=1 m=42 s=13
